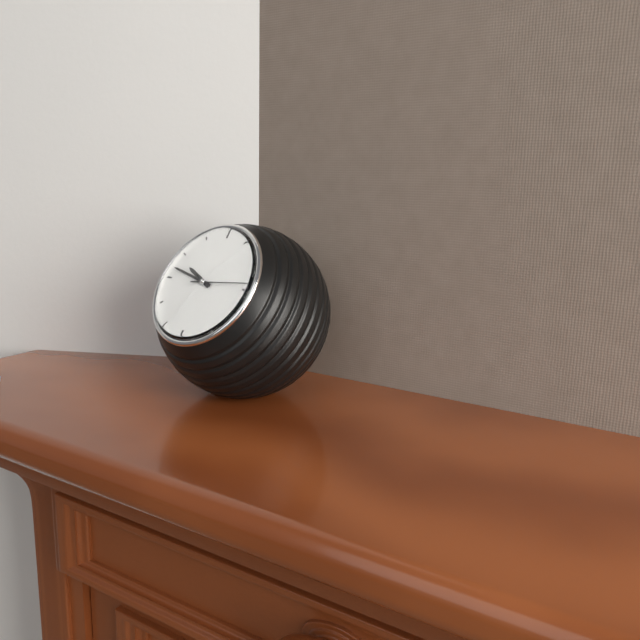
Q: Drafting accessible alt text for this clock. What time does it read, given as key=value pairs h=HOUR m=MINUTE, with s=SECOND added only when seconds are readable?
h=9 m=47
